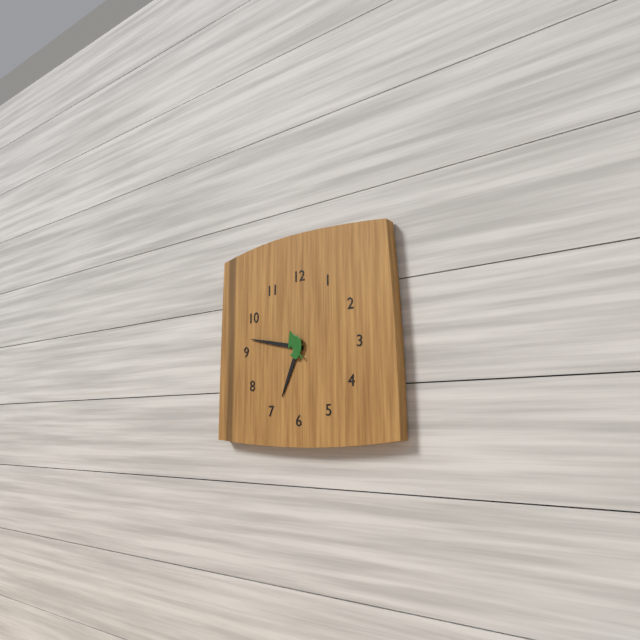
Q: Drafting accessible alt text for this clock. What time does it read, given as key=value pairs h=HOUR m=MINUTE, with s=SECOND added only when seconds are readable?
h=6 m=47
